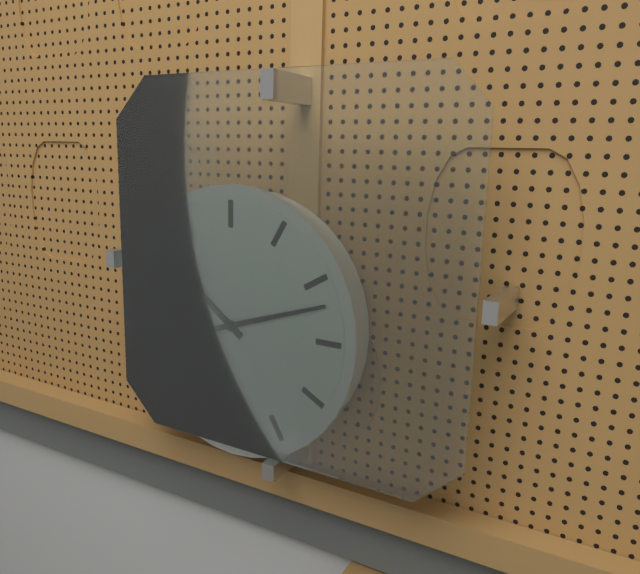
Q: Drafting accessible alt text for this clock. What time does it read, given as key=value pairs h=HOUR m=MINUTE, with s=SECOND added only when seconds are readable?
h=10 m=12
